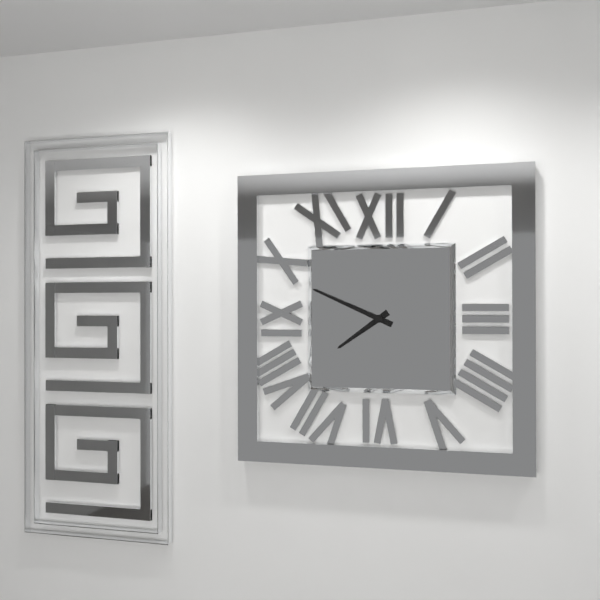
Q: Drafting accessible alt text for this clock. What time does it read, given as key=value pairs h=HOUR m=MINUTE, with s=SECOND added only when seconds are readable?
h=7 m=49
